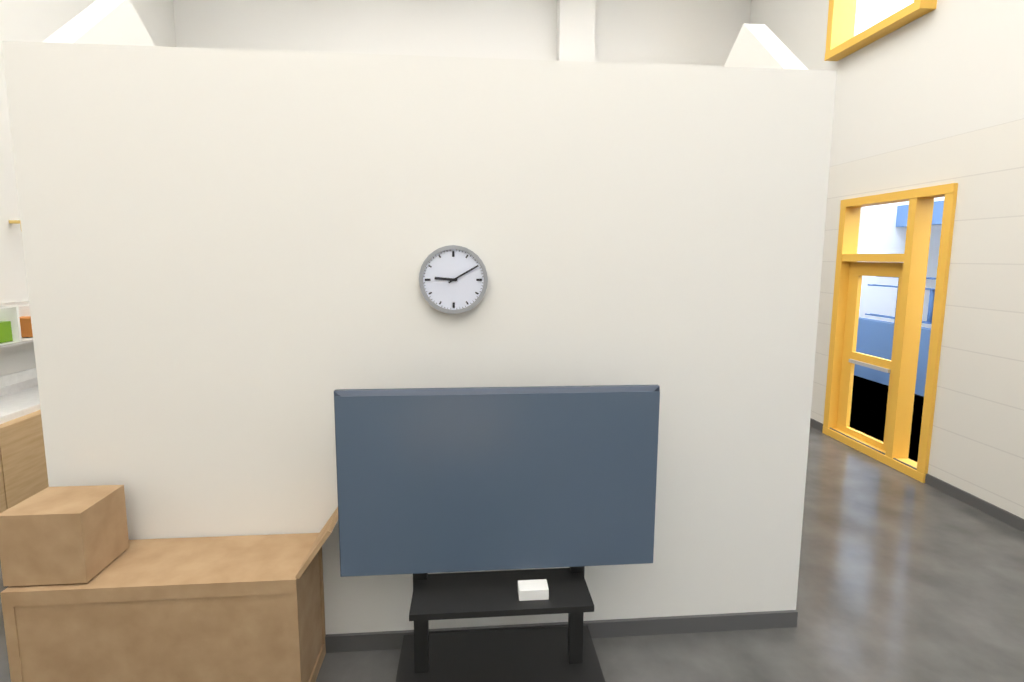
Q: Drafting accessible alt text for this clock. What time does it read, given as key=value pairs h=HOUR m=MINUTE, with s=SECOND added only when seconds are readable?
h=9 m=10
